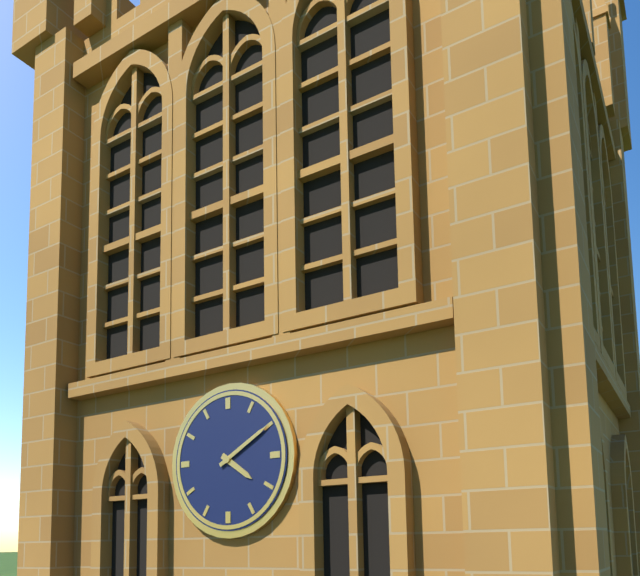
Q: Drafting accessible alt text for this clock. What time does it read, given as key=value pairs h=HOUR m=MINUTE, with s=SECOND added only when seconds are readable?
h=4 m=10
